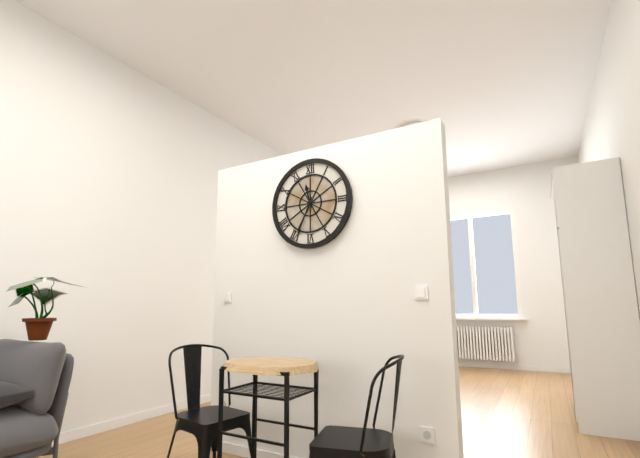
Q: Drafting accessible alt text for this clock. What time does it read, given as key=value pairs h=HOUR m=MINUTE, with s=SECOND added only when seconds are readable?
h=11 m=34
